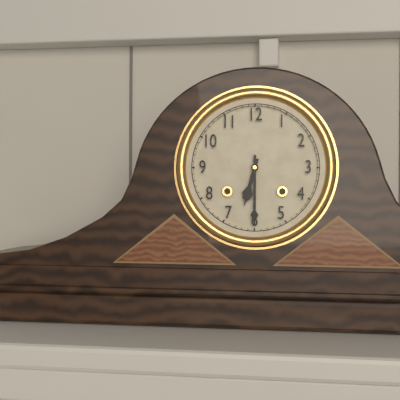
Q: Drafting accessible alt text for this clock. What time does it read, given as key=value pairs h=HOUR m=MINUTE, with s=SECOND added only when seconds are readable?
h=6 m=30
